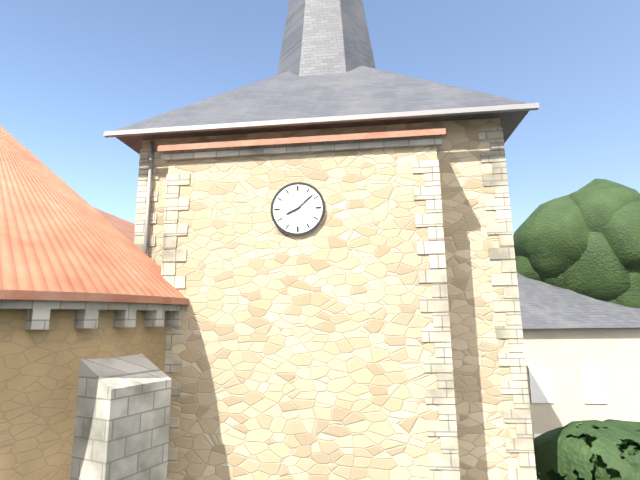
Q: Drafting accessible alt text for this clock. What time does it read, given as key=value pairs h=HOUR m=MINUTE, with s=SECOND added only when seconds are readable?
h=8 m=8
